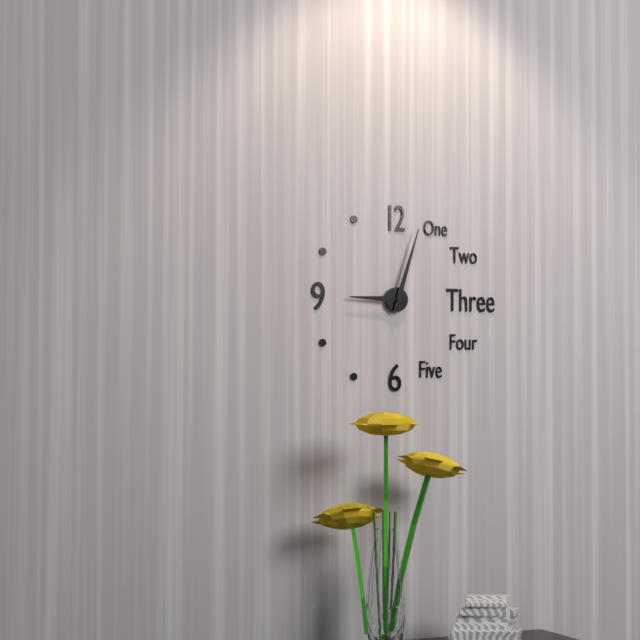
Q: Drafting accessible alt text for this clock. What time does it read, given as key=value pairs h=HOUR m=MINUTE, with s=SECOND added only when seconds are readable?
h=9 m=3
